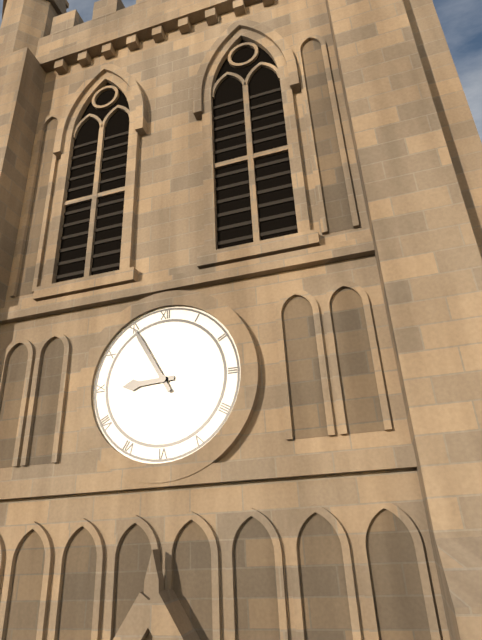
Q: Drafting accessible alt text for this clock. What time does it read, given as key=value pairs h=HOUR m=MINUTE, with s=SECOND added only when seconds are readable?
h=8 m=55
